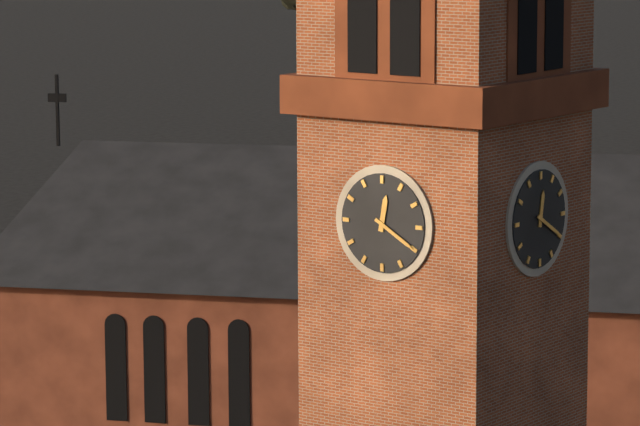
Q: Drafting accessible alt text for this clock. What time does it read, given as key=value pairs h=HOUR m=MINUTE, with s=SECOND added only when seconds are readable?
h=12 m=20
